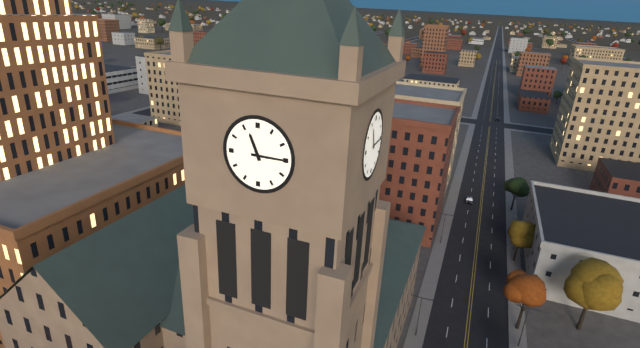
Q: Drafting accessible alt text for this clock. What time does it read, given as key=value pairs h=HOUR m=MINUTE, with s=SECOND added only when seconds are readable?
h=11 m=15
